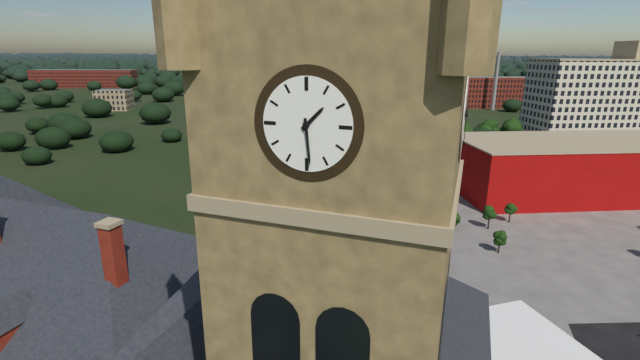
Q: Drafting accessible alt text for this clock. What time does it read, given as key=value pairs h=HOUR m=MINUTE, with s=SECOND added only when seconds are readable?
h=1 m=29
